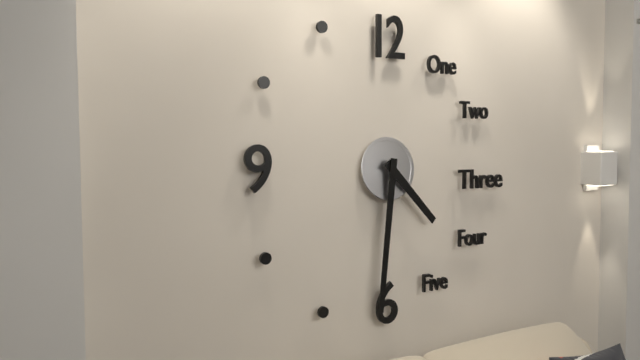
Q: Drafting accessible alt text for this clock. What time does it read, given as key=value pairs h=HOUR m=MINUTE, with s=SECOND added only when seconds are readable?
h=4 m=31
